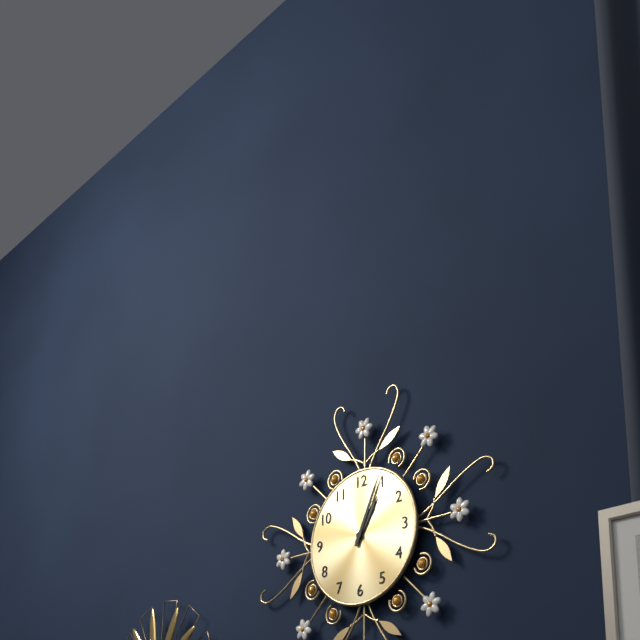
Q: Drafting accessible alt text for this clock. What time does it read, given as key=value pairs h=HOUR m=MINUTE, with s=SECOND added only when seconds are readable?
h=1 m=4
